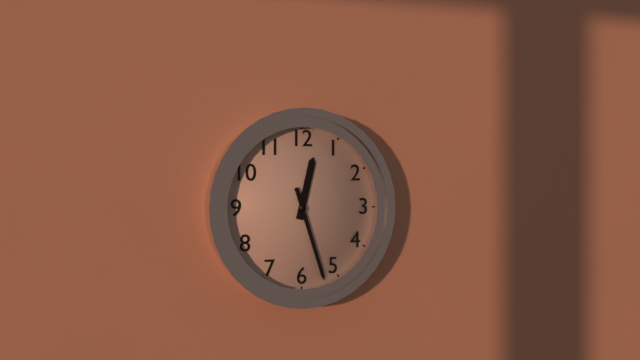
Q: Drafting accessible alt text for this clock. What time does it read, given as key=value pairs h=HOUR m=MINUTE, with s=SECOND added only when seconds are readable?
h=12 m=27
